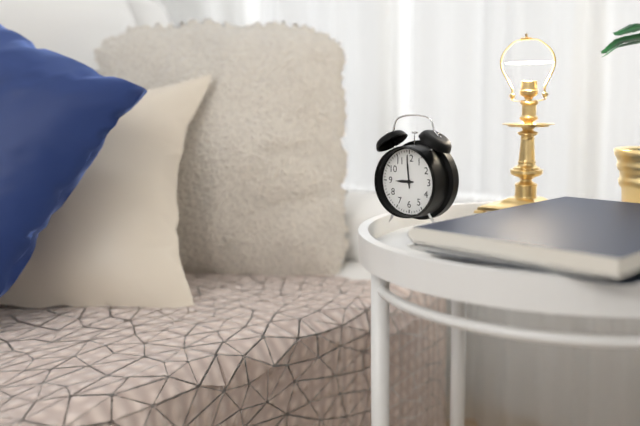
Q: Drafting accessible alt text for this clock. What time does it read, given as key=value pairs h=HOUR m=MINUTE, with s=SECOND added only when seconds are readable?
h=8 m=59
